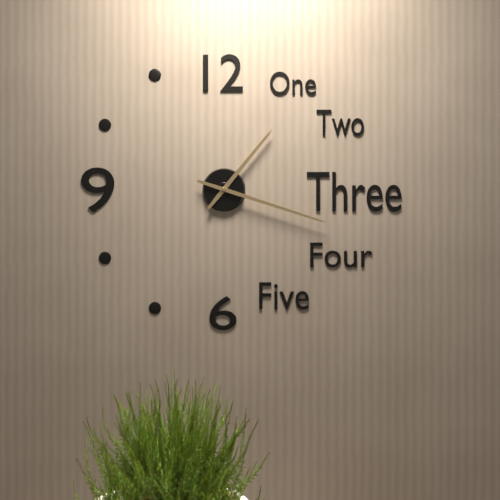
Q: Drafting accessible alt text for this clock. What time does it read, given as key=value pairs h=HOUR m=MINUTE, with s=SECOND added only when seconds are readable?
h=1 m=18
